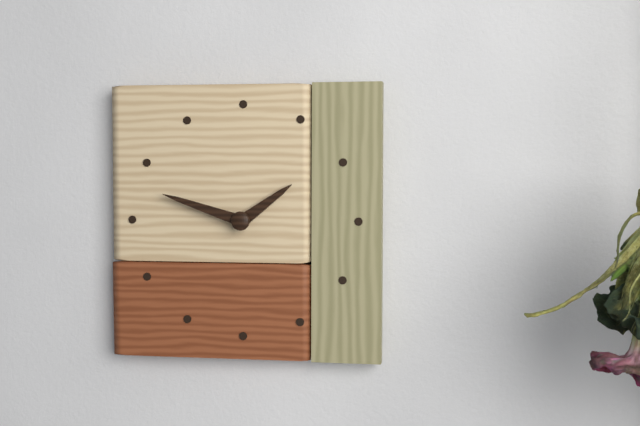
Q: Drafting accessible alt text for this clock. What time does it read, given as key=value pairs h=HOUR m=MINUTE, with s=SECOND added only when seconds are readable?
h=1 m=48
